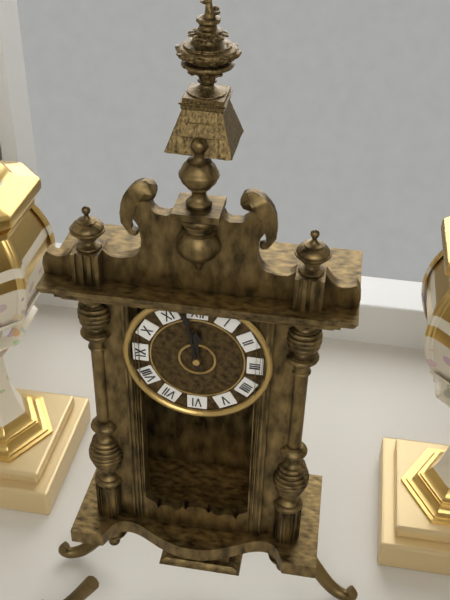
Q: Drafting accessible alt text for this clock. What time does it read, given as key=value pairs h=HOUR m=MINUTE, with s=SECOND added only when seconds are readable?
h=11 m=58
